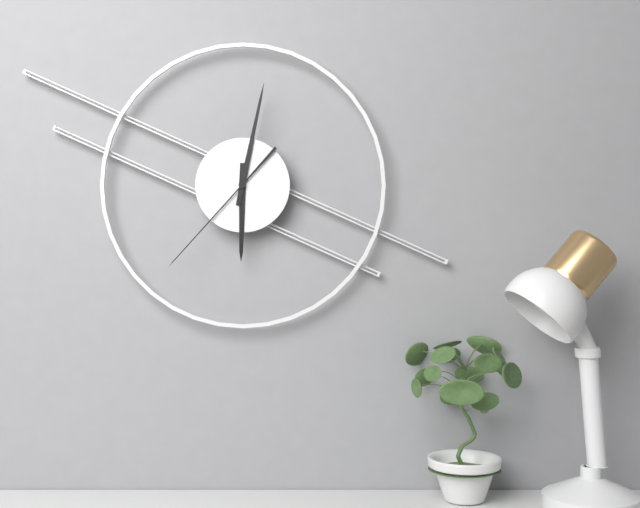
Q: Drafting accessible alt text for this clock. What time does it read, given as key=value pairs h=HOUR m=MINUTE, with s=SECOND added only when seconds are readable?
h=6 m=2 s=37
